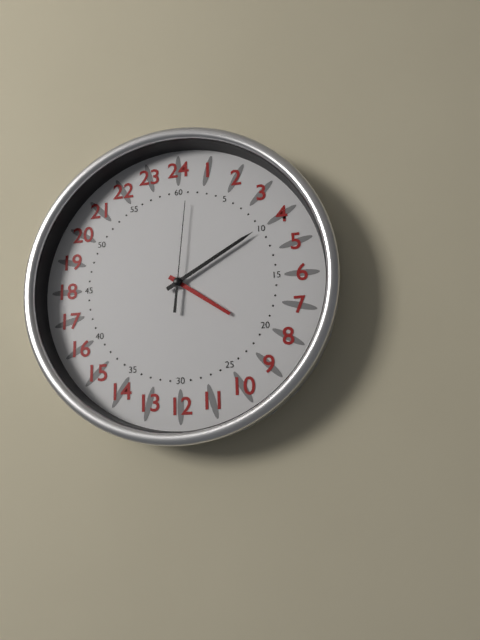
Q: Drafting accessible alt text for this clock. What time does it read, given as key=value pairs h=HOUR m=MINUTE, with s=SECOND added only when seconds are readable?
h=4 m=10 s=1
